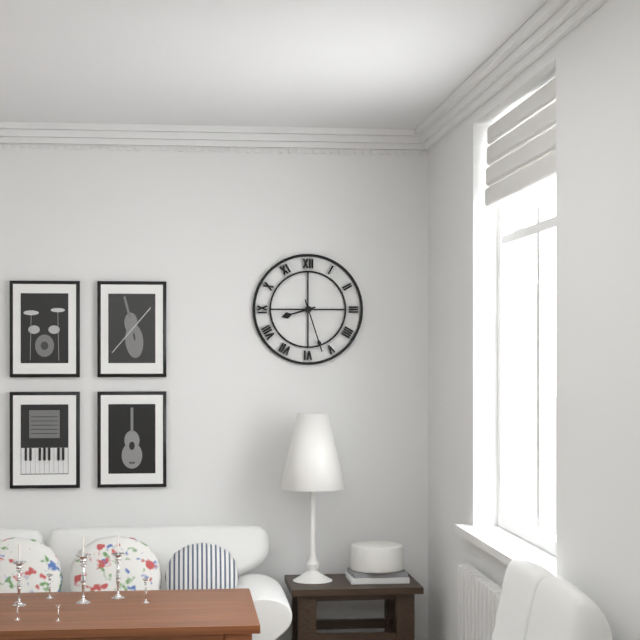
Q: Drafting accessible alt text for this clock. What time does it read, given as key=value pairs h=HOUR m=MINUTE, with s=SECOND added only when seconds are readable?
h=8 m=27
